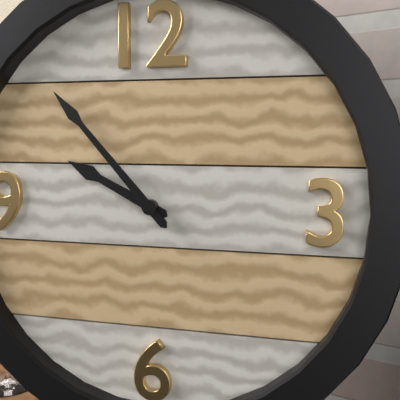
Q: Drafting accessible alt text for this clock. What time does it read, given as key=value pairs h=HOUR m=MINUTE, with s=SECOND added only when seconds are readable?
h=9 m=53
